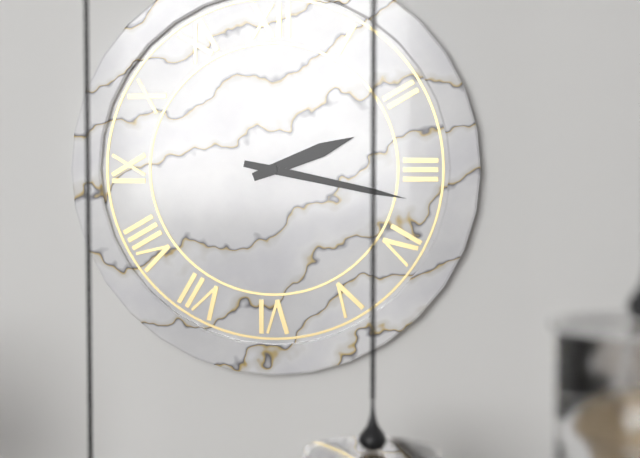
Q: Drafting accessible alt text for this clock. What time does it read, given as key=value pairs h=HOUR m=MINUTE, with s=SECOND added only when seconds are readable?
h=2 m=17
